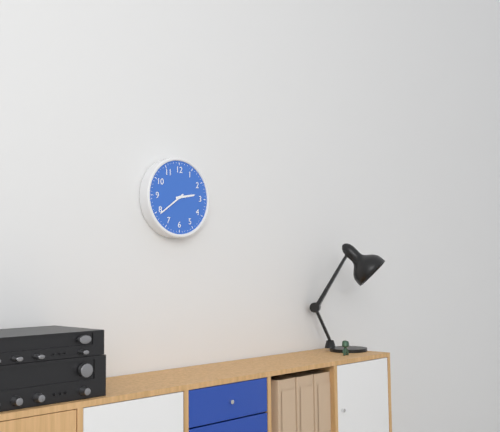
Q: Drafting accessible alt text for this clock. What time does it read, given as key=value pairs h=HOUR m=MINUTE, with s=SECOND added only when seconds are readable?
h=2 m=39
